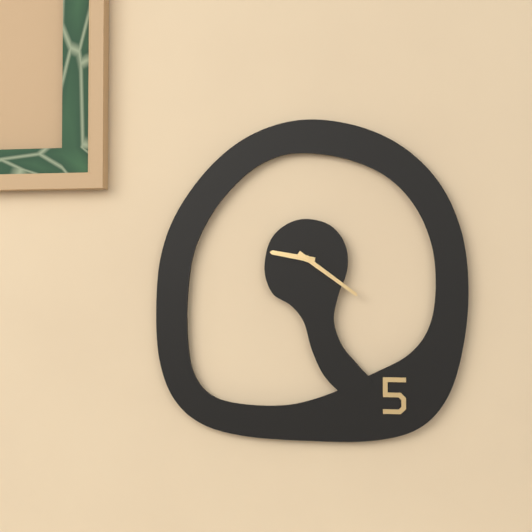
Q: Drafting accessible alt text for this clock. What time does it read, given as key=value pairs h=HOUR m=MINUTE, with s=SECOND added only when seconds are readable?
h=9 m=21
